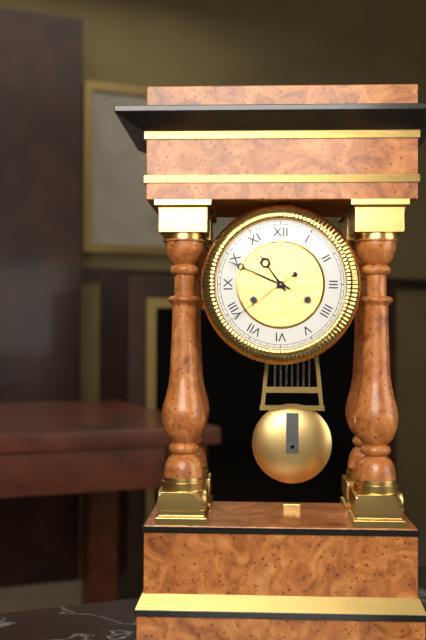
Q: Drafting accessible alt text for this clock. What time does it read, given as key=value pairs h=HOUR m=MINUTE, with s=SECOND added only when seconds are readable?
h=10 m=49 s=39
